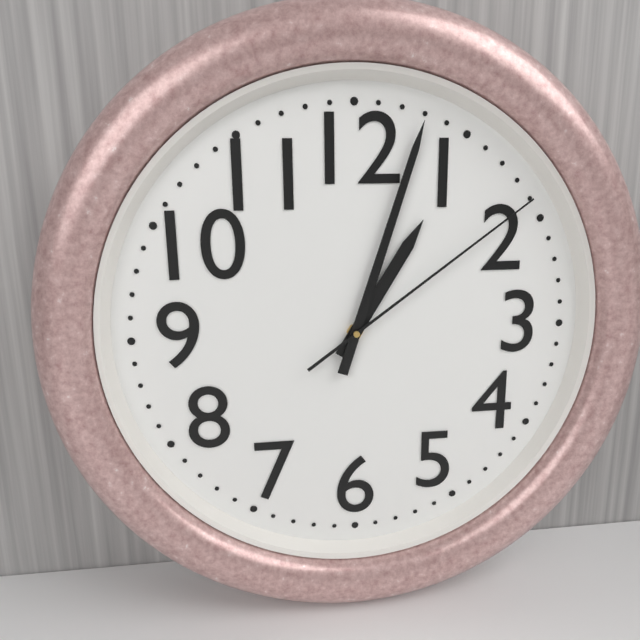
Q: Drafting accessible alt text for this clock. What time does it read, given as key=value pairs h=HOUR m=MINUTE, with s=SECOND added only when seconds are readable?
h=1 m=3 s=9
